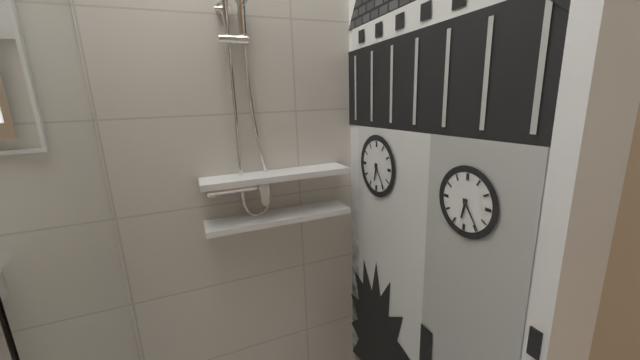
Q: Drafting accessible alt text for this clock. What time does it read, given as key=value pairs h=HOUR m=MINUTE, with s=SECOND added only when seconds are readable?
h=6 m=24
